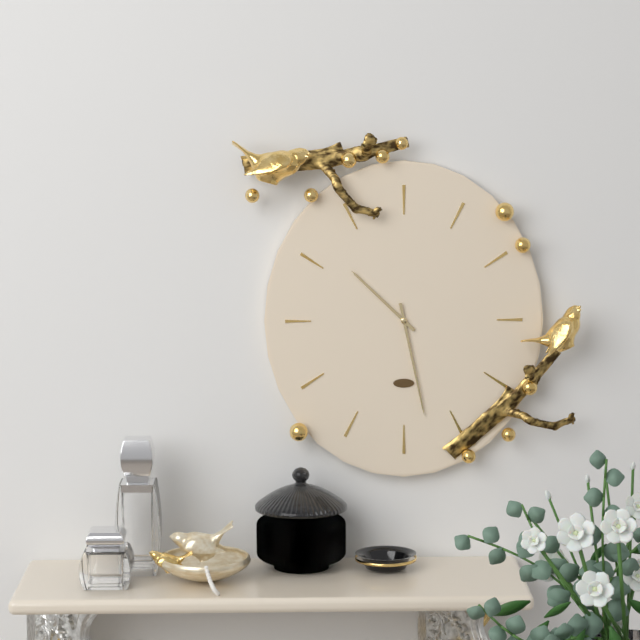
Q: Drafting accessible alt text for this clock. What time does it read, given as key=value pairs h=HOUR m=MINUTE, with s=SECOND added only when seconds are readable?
h=10 m=28
